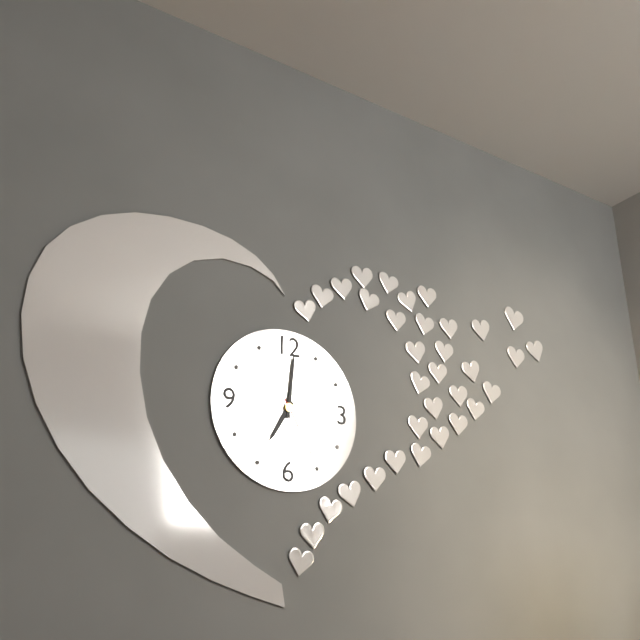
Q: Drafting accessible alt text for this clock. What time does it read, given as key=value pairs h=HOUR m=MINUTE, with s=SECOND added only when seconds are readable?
h=7 m=1 s=25
